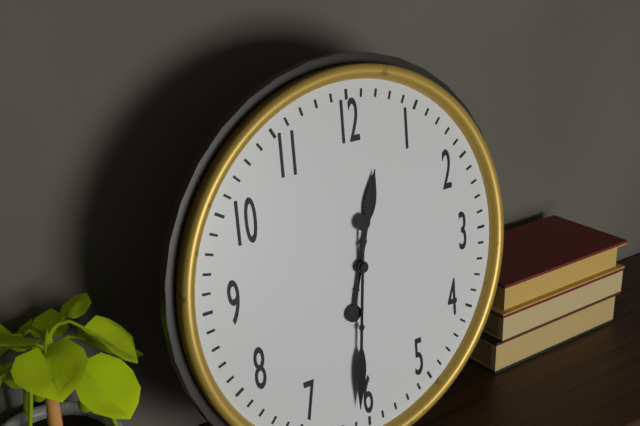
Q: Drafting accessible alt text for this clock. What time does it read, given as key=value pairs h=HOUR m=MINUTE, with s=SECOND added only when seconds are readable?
h=12 m=31
